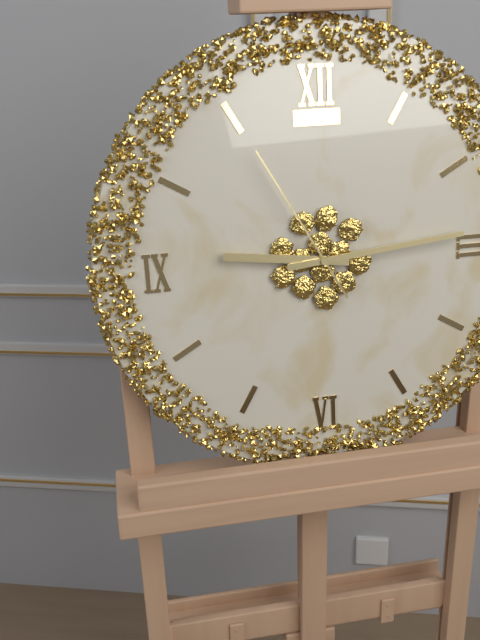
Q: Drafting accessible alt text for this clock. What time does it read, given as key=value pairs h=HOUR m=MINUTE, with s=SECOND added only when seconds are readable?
h=9 m=14 s=55
